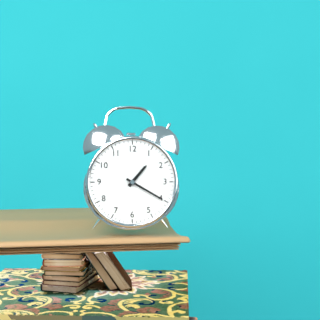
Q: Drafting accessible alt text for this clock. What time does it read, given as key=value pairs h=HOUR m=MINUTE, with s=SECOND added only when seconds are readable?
h=1 m=20
